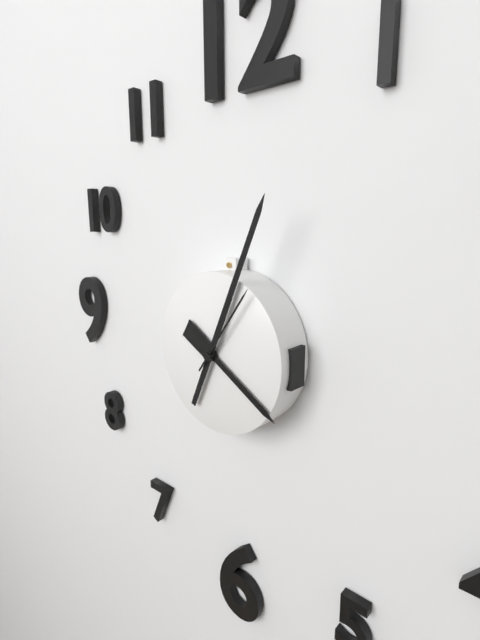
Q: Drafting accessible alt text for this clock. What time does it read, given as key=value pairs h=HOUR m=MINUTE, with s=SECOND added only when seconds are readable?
h=4 m=4 s=6
